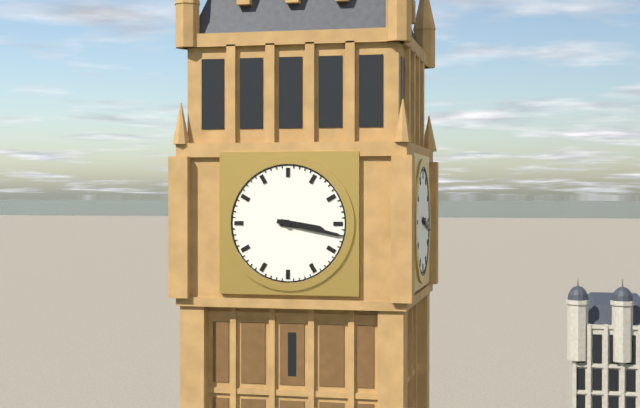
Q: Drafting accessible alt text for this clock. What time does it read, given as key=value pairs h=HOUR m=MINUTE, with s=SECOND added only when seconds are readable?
h=3 m=17
